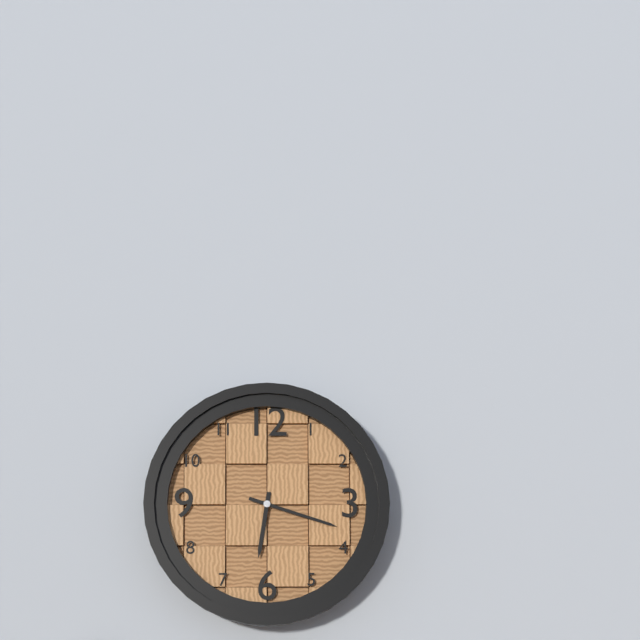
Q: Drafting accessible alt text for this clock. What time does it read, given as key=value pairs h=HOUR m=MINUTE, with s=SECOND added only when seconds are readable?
h=6 m=18
